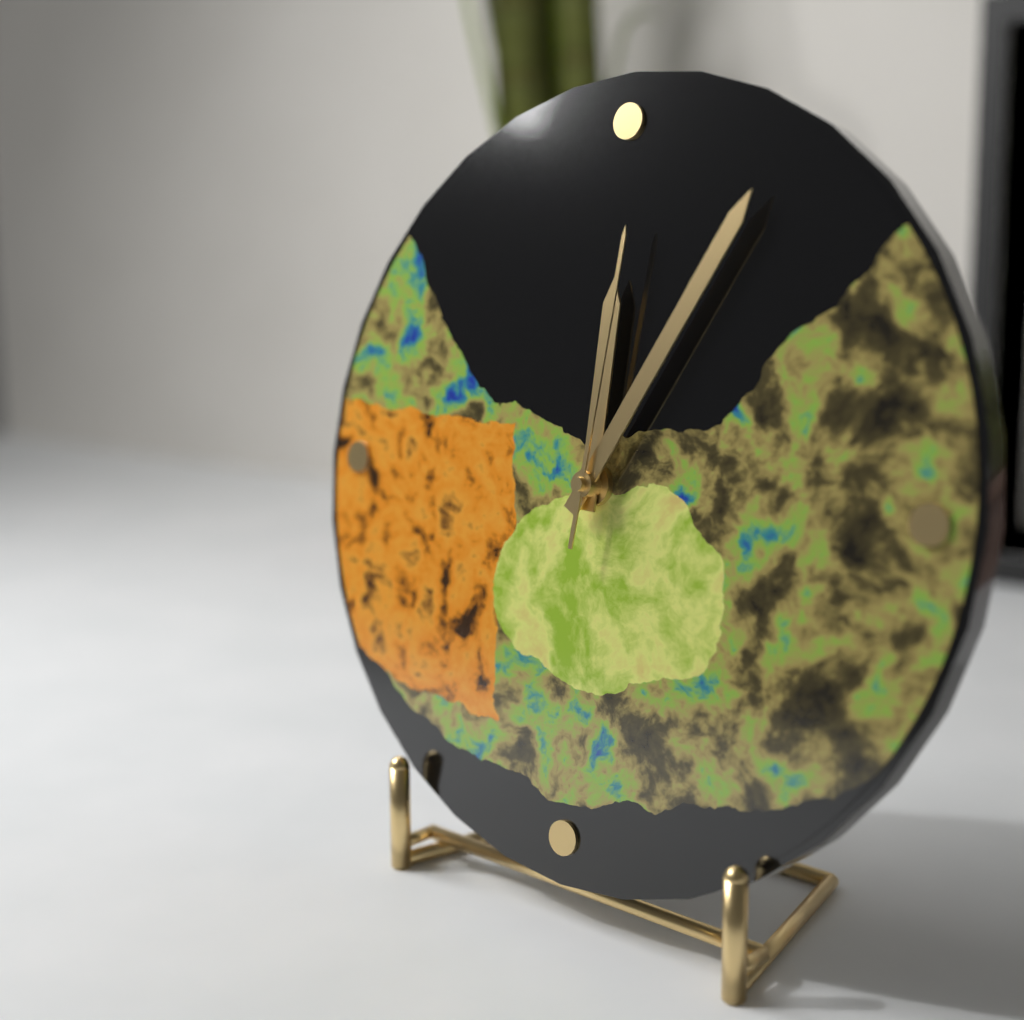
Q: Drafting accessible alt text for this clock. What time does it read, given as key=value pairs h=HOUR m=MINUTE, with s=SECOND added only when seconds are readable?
h=12 m=5 s=1
